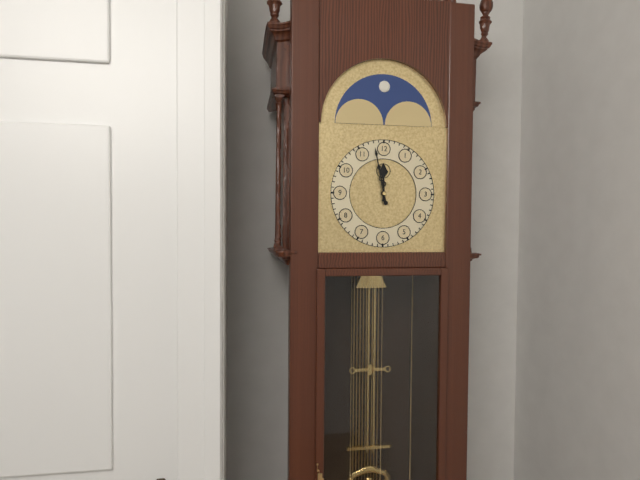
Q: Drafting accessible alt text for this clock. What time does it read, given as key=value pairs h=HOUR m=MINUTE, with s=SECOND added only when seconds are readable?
h=11 m=58
